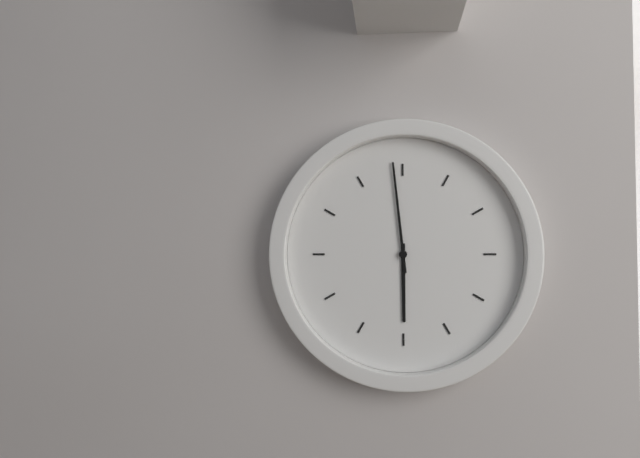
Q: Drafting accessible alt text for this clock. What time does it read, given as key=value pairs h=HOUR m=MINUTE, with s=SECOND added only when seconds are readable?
h=5 m=59
